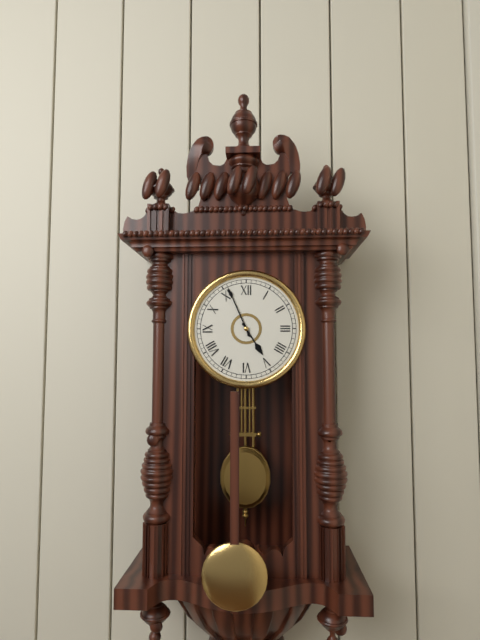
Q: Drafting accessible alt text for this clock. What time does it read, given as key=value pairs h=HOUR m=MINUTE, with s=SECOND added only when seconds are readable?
h=4 m=56
